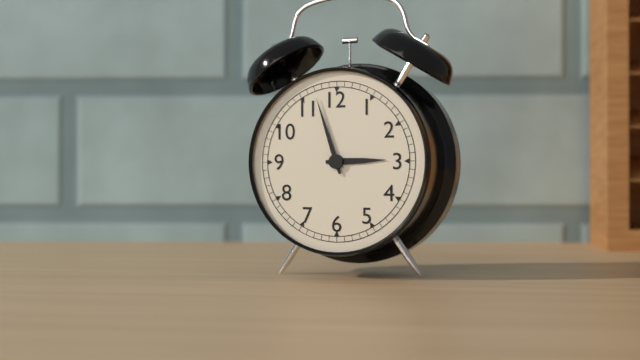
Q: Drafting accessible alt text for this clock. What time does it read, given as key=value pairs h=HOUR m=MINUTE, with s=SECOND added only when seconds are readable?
h=2 m=57
